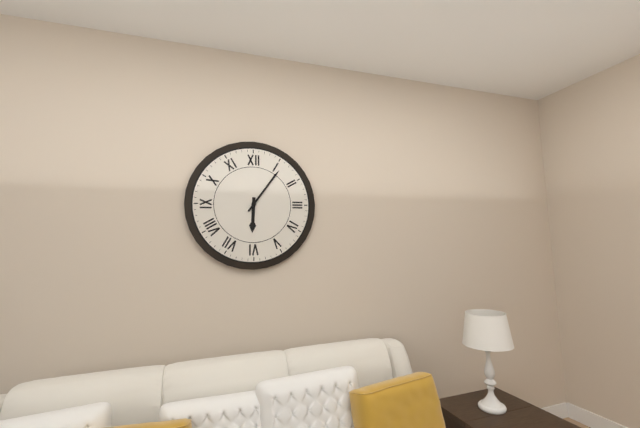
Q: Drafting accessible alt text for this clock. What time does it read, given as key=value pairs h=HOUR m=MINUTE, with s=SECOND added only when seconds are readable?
h=6 m=6
